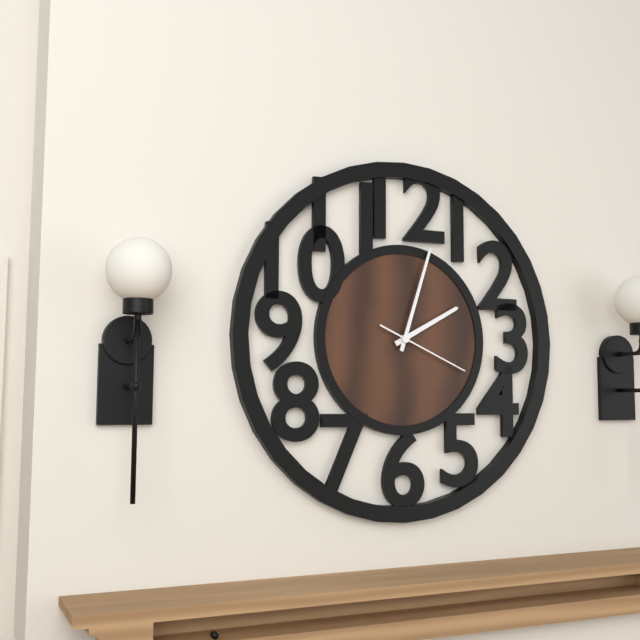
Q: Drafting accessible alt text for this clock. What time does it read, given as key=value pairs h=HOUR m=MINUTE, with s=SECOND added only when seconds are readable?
h=2 m=3 s=19
